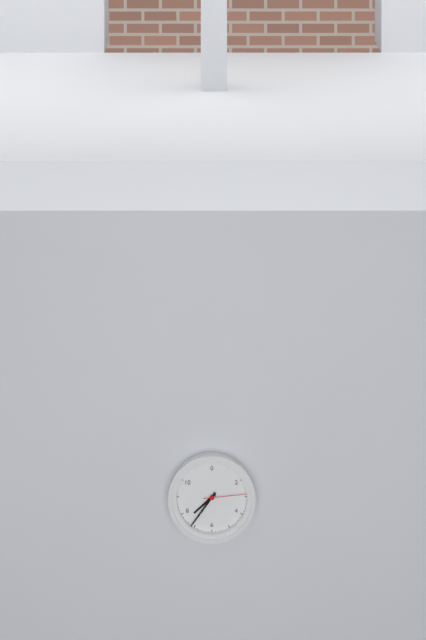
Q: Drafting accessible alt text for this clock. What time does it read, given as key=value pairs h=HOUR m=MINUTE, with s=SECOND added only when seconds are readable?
h=7 m=36
